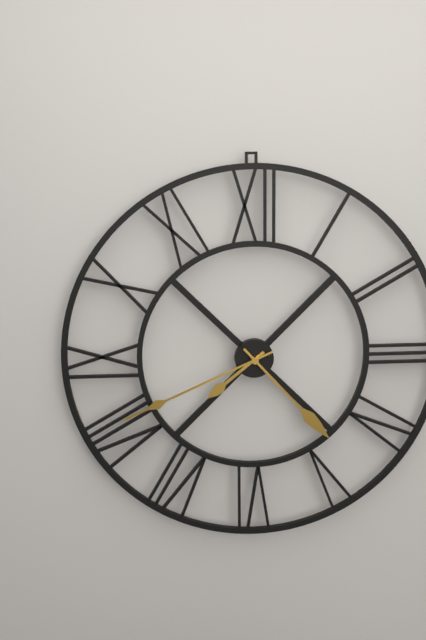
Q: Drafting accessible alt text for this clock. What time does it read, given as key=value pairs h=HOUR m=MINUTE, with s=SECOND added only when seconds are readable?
h=7 m=41 s=23
